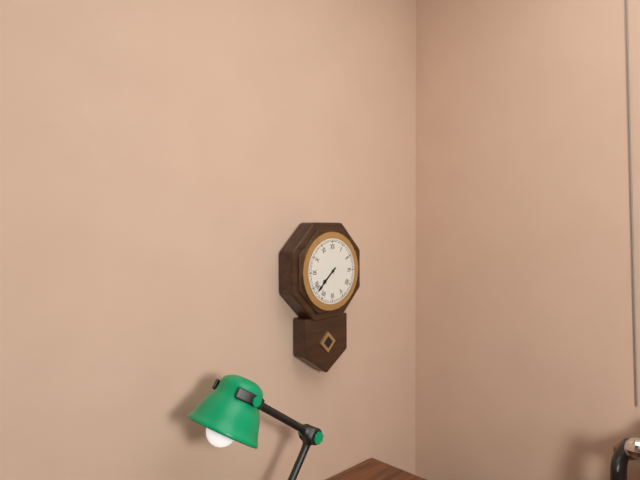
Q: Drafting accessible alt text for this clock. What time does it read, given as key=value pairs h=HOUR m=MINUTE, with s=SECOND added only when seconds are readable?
h=7 m=38
